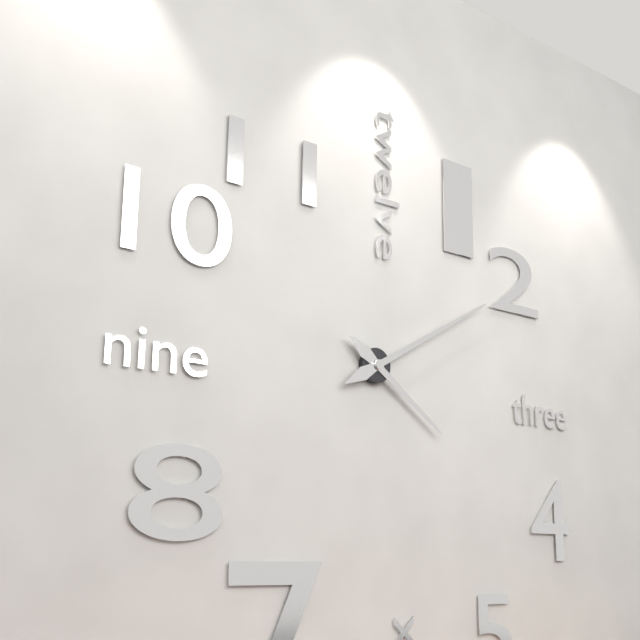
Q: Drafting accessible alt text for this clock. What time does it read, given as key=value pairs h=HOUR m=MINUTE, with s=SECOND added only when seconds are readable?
h=4 m=10
